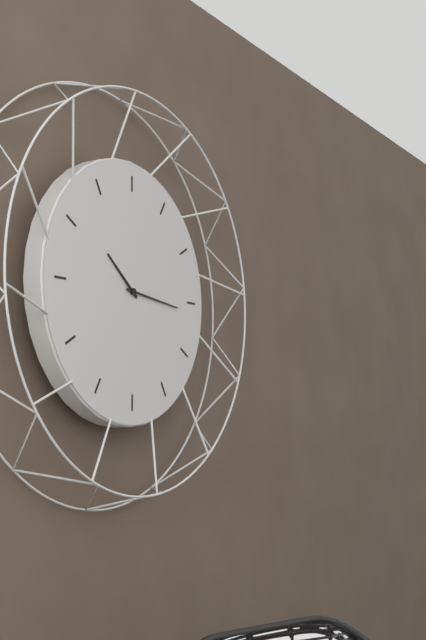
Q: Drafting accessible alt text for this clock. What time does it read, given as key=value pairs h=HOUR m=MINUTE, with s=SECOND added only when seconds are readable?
h=10 m=16
